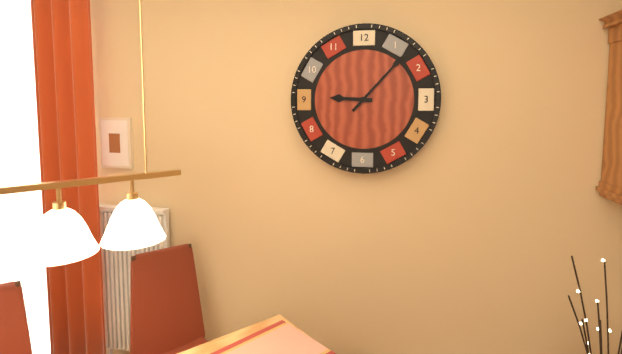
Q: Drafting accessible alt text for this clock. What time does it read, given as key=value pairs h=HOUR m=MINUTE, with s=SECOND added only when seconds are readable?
h=9 m=7
